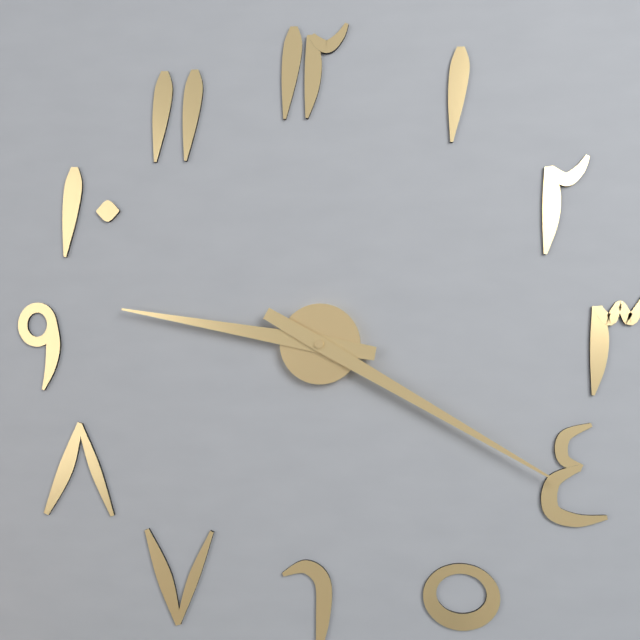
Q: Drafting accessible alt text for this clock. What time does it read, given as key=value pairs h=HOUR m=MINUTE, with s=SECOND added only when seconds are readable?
h=9 m=20
